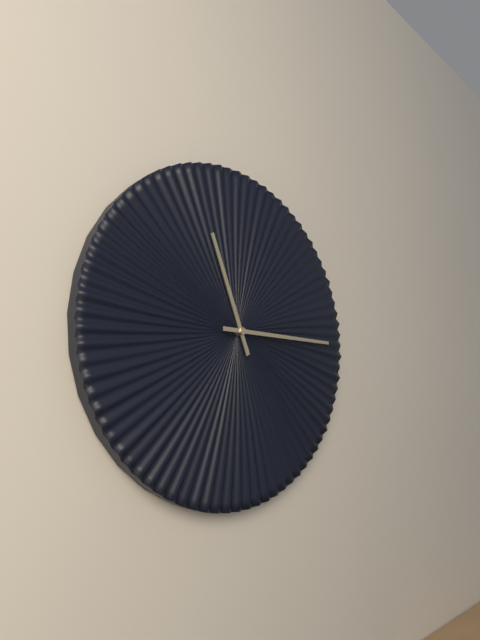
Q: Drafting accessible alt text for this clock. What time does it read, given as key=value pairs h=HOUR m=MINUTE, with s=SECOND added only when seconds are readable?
h=11 m=15
